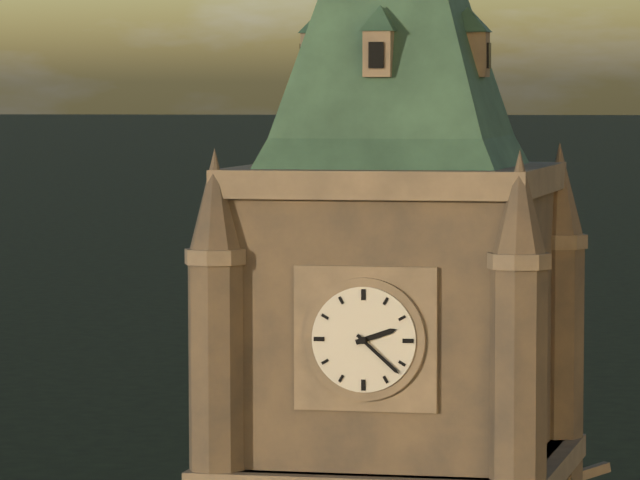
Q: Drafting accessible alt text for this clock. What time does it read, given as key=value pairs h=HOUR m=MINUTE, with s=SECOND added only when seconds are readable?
h=2 m=22
